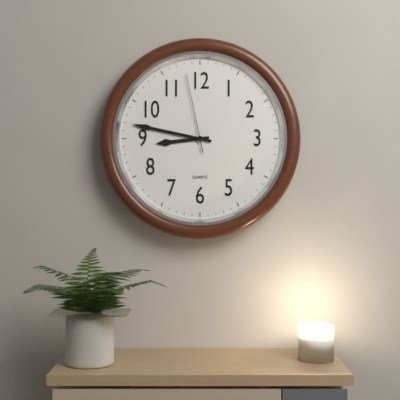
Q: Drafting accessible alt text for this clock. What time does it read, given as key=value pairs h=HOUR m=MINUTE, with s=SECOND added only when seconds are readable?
h=8 m=47 s=58
